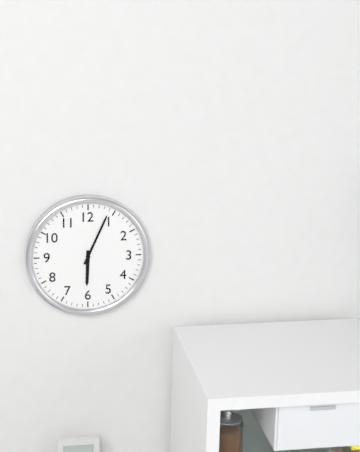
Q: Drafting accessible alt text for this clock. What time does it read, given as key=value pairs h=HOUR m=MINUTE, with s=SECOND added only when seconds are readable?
h=6 m=4
